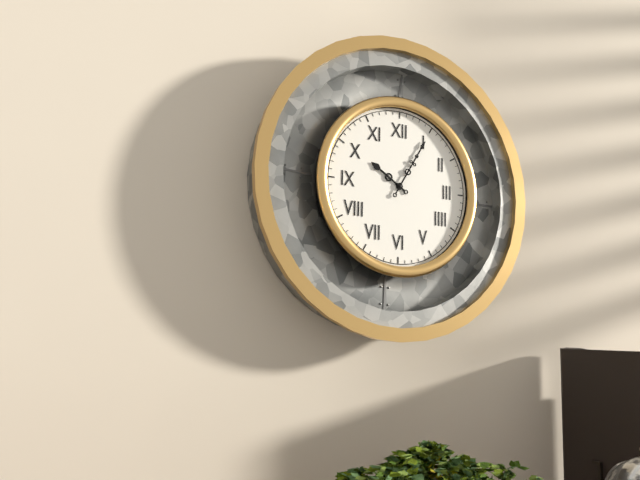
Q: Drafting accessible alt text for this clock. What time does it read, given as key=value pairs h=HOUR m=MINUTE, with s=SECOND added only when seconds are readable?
h=10 m=5
